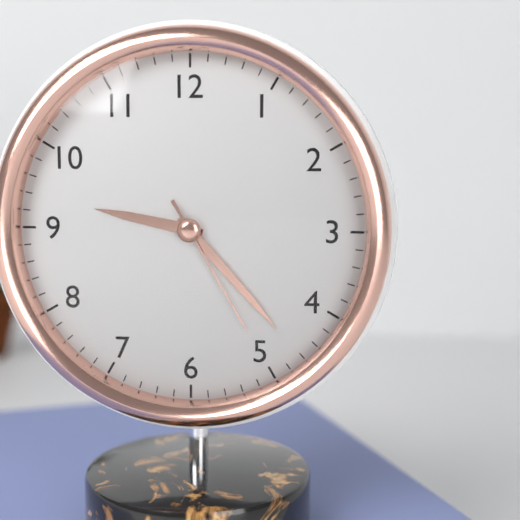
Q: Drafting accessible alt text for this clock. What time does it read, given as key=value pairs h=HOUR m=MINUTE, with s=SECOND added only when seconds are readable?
h=9 m=23 s=25
